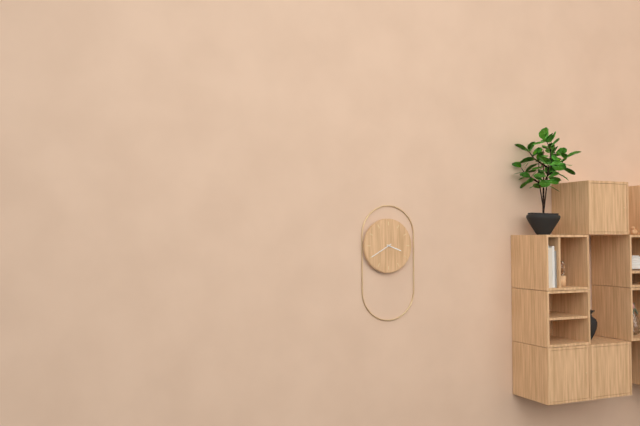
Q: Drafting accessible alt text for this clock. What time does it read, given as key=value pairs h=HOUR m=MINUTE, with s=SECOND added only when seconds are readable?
h=3 m=40
